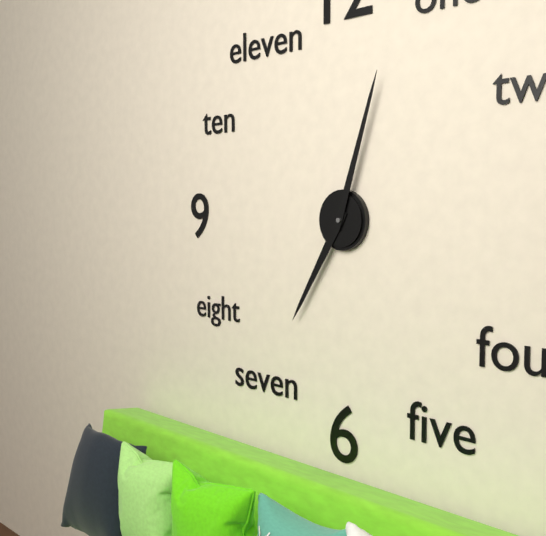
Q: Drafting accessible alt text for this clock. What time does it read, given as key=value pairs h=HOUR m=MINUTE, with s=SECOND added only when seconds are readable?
h=7 m=3
